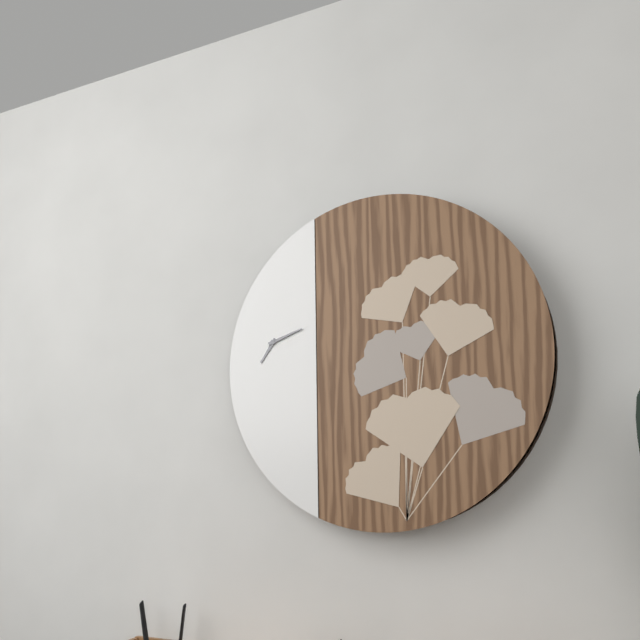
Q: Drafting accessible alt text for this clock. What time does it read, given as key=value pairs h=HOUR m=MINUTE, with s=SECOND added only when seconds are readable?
h=7 m=12
